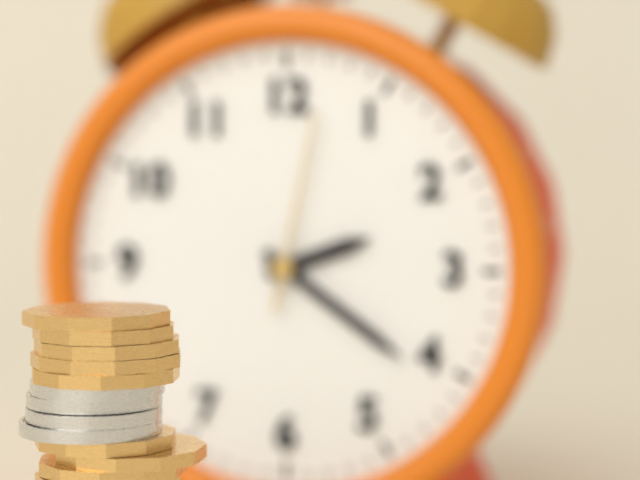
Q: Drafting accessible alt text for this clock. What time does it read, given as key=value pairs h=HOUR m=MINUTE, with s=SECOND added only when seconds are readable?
h=2 m=21 s=2
